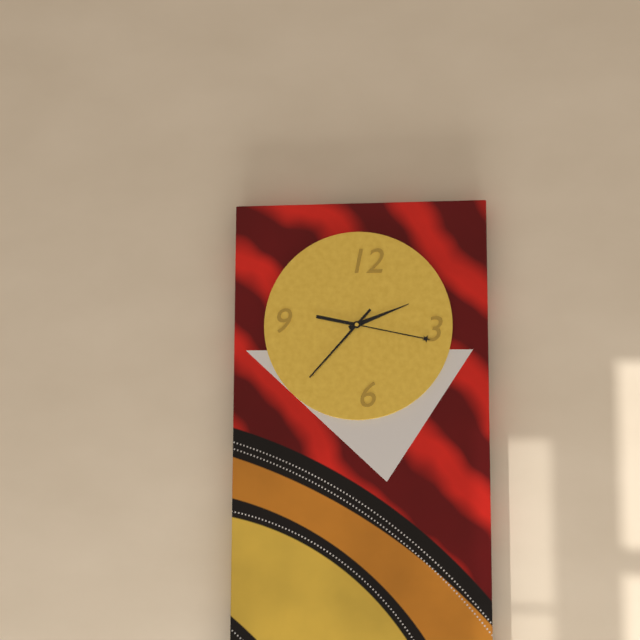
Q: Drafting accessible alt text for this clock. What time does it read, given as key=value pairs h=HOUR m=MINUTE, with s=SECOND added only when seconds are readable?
h=2 m=17 s=37
